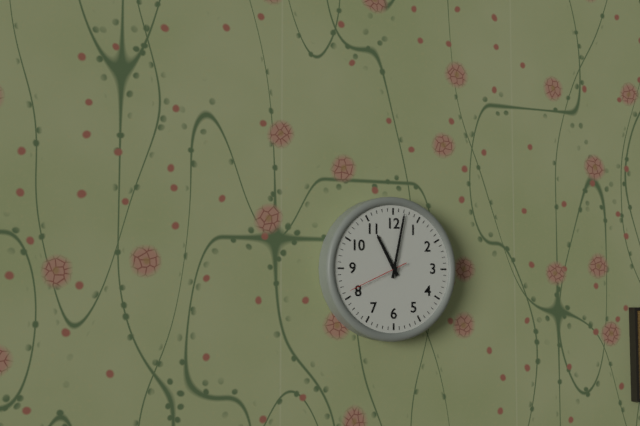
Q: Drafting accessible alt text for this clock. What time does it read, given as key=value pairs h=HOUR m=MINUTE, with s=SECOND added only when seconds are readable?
h=11 m=2 s=41
